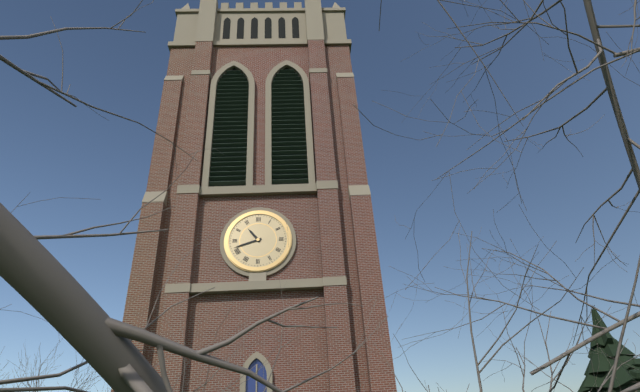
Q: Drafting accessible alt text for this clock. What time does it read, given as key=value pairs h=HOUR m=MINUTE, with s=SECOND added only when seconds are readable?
h=10 m=42
